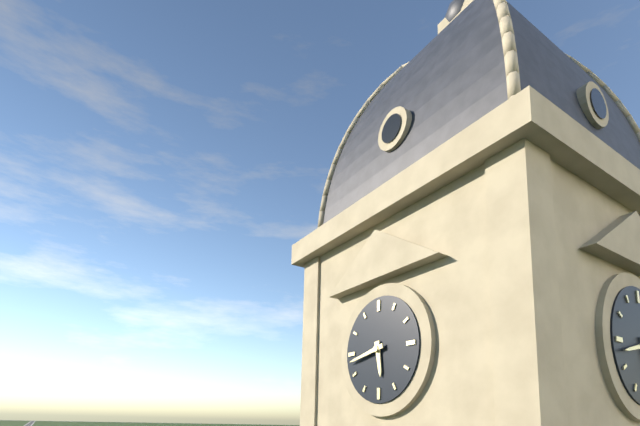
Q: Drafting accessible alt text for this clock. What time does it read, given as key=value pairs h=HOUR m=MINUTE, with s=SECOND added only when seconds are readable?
h=5 m=43
